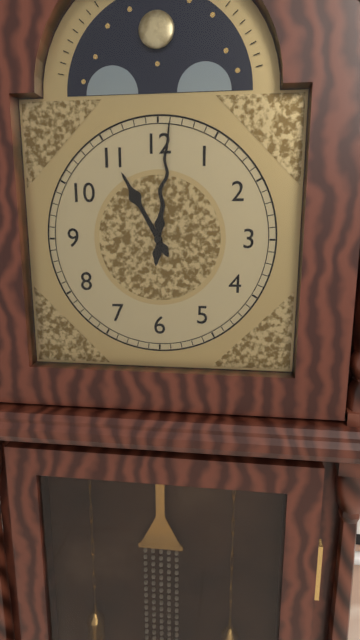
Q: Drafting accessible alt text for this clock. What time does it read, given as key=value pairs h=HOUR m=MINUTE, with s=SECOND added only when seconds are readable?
h=11 m=1
